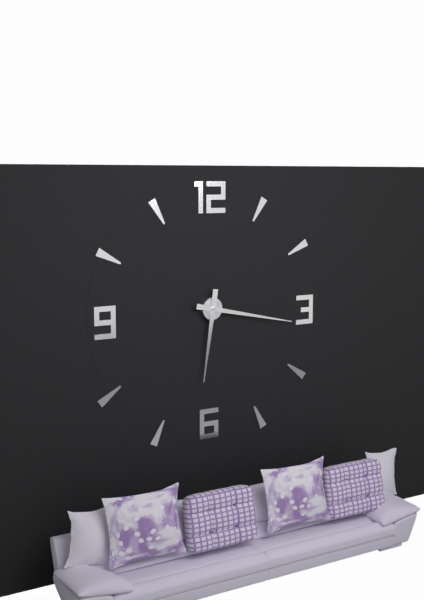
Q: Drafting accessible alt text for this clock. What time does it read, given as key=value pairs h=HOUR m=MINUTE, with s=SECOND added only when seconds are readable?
h=6 m=17
